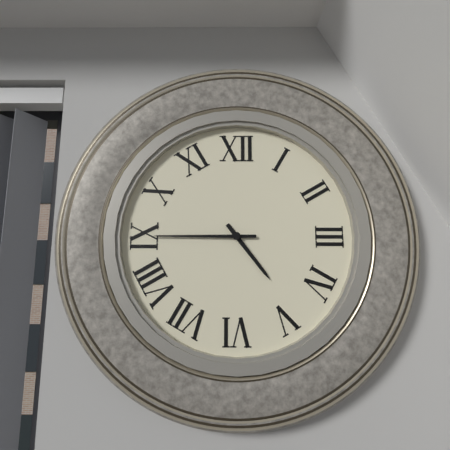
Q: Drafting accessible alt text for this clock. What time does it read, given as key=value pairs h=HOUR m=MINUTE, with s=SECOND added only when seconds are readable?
h=4 m=45
